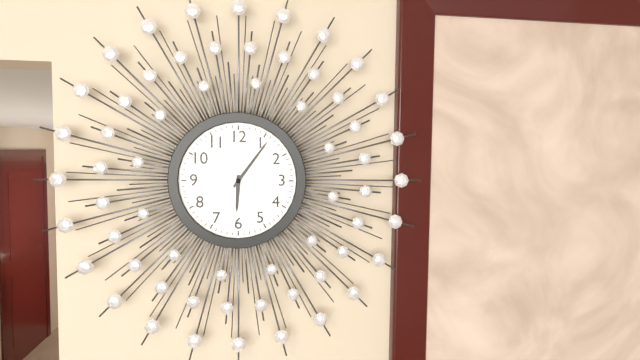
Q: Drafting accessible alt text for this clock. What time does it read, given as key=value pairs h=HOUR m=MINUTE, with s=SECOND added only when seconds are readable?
h=6 m=6
